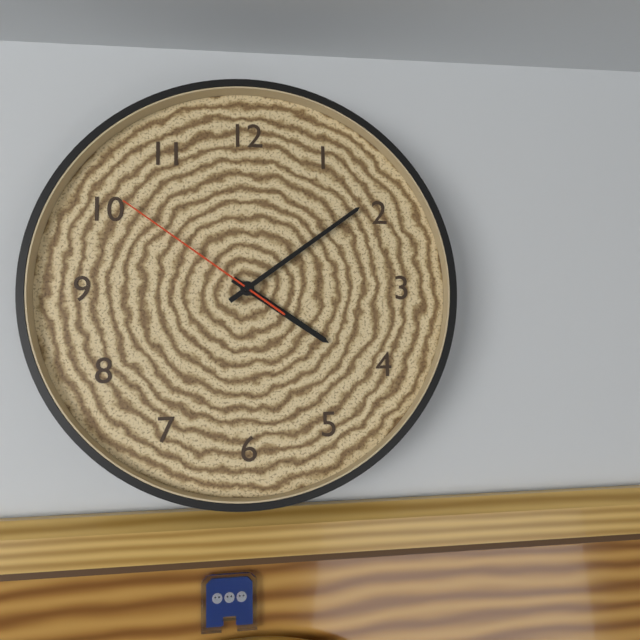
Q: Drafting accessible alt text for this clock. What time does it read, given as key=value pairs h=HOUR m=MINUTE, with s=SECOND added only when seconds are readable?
h=4 m=9 s=51
